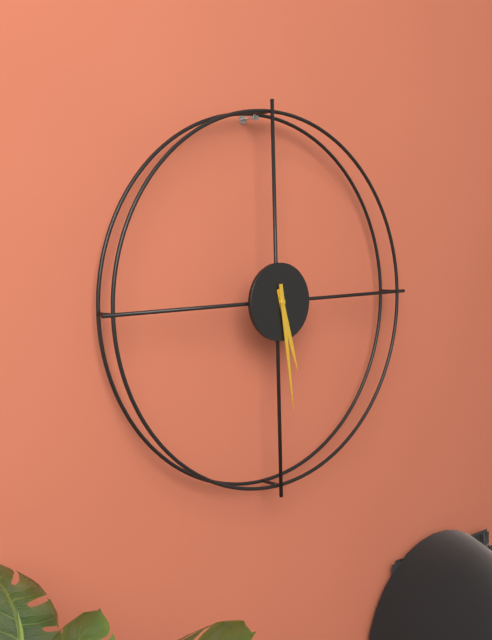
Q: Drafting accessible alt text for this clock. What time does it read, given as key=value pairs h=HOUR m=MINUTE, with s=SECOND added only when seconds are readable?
h=5 m=29
